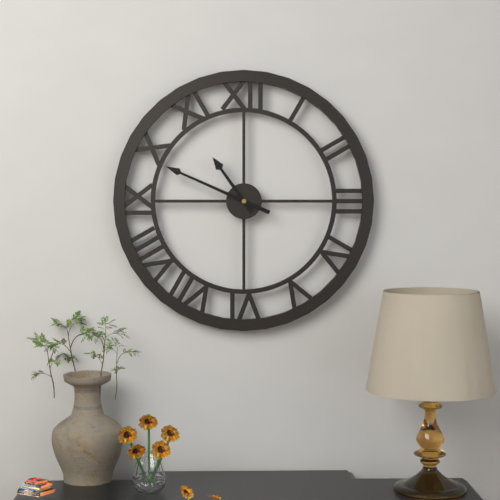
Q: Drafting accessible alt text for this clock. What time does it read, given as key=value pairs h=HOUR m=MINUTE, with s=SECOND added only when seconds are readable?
h=10 m=49
